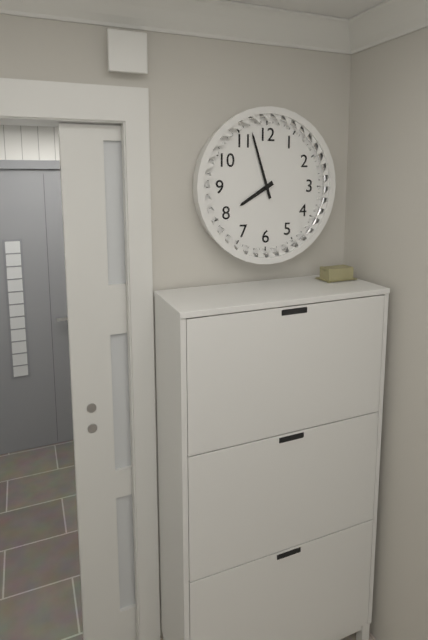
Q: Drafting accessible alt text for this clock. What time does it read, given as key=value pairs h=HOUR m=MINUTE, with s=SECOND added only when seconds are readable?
h=7 m=57
